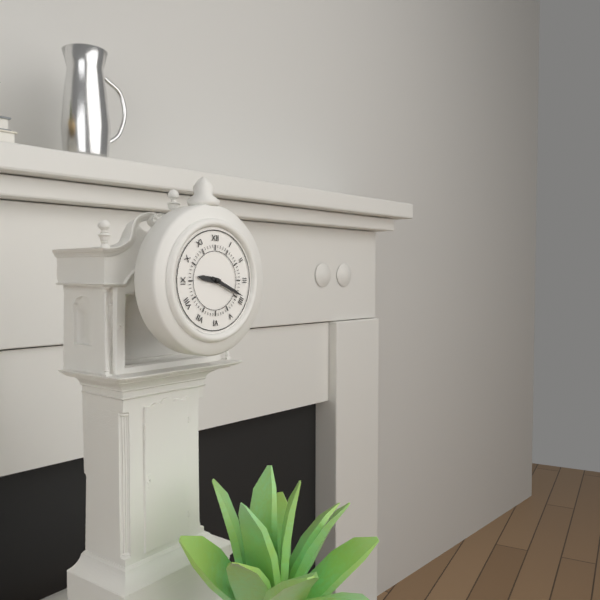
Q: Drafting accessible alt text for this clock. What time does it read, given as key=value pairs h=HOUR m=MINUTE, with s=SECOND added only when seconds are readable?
h=9 m=19
